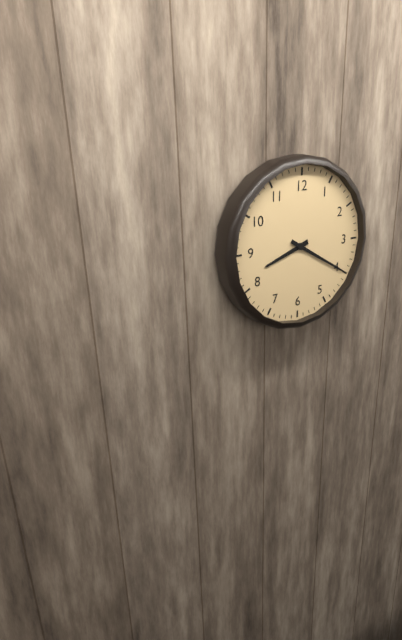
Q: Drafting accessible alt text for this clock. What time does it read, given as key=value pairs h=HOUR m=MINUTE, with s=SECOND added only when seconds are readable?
h=8 m=20
